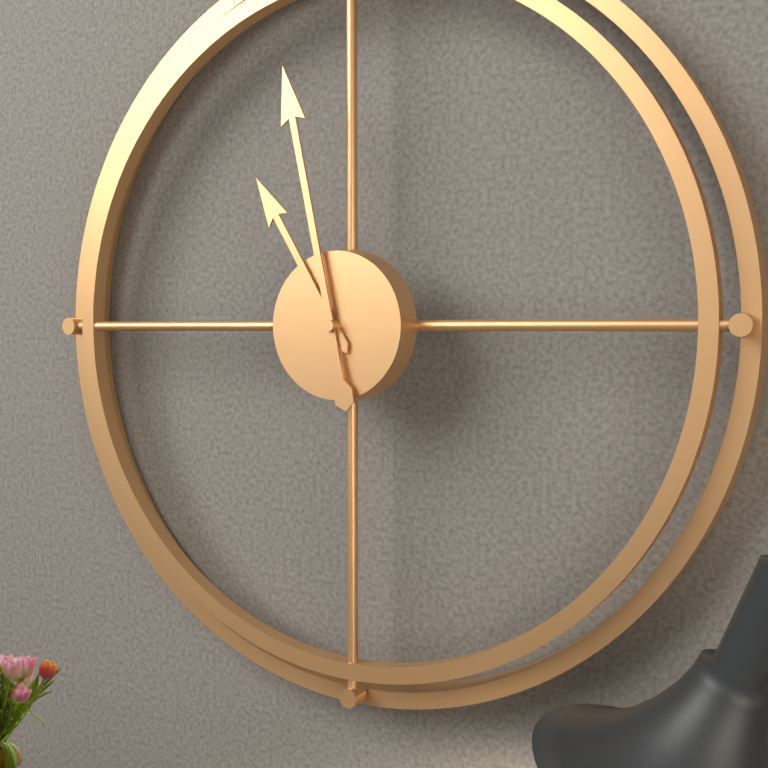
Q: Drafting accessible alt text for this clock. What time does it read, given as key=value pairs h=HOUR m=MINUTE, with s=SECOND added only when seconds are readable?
h=10 m=58
